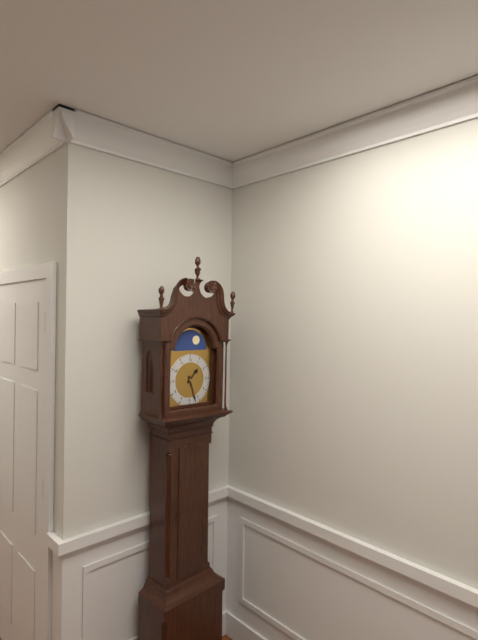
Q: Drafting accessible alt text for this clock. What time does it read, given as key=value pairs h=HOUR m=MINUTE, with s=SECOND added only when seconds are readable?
h=1 m=27
